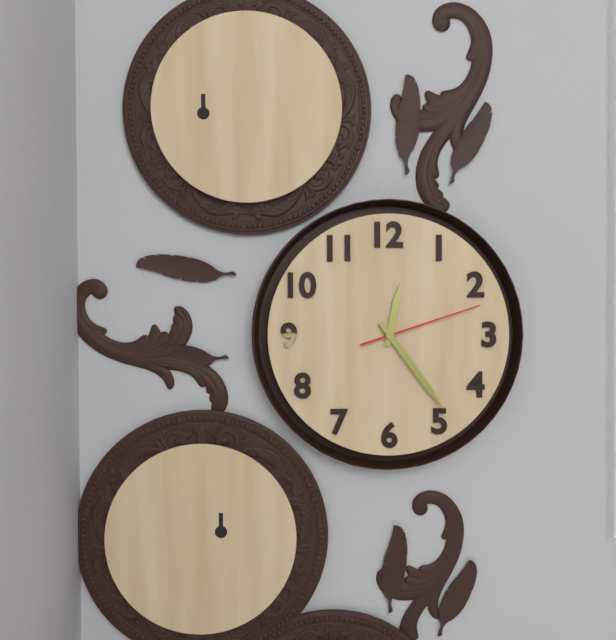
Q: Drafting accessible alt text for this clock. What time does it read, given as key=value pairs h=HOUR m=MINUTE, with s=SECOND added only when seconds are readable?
h=12 m=24 s=12
